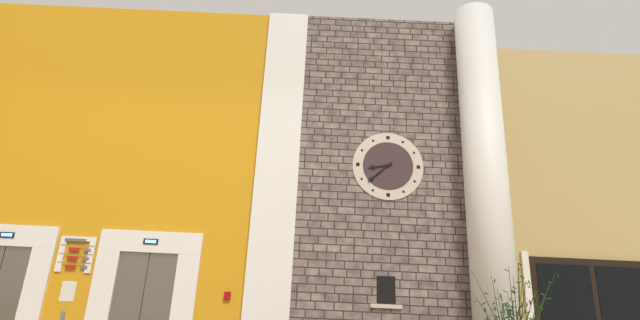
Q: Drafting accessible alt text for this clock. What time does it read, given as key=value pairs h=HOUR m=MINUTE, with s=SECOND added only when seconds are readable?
h=8 m=38
